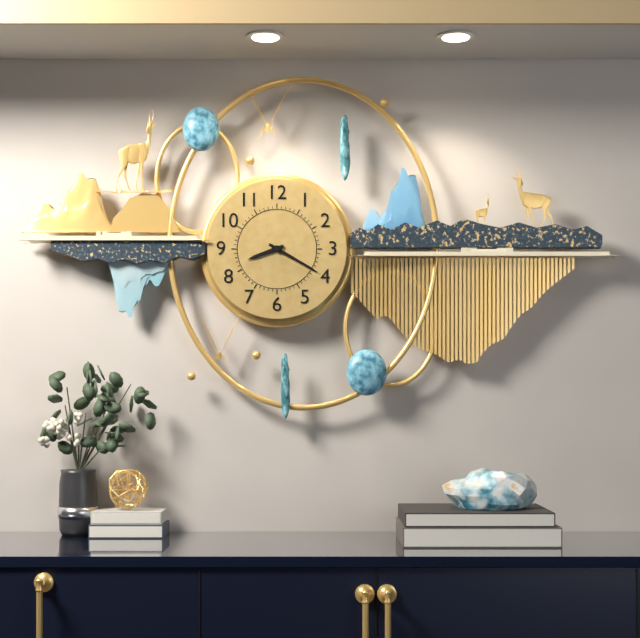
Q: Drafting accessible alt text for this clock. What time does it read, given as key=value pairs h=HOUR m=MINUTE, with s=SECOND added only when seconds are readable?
h=8 m=20
